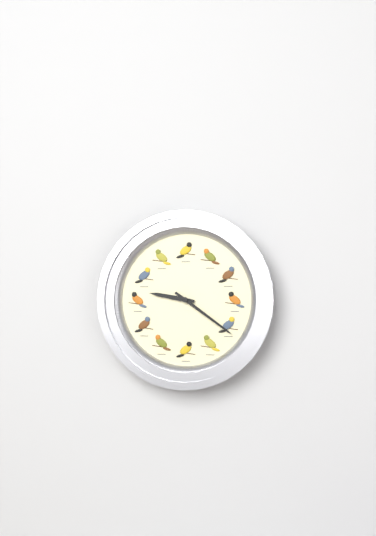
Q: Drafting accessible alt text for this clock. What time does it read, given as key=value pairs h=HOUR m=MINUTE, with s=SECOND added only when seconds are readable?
h=9 m=21
